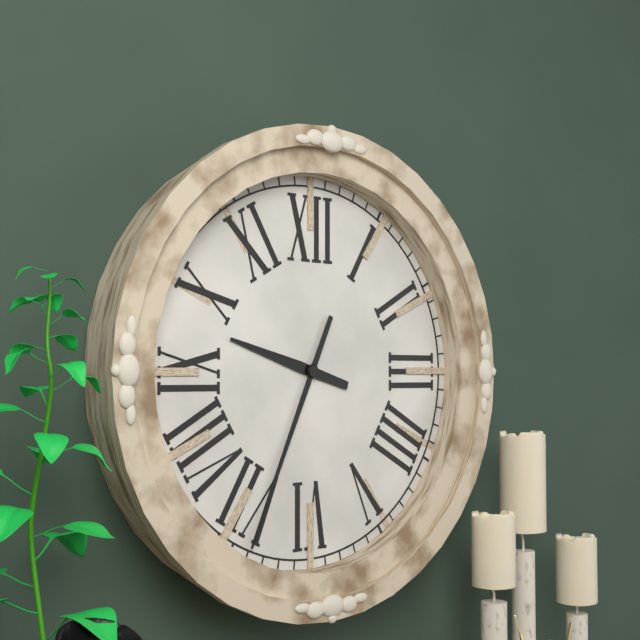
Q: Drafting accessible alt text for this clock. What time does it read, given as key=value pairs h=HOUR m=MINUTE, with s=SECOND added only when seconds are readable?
h=9 m=34
